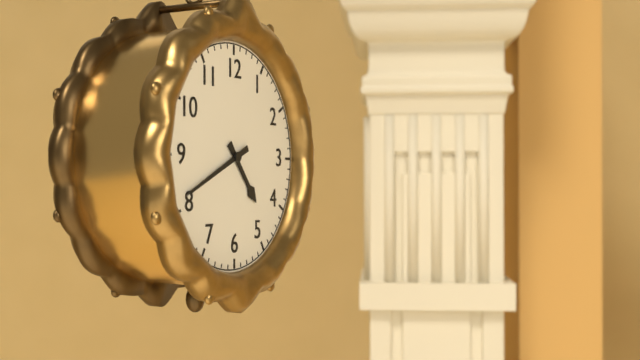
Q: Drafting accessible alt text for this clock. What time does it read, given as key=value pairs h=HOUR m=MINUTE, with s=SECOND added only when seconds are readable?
h=4 m=41
